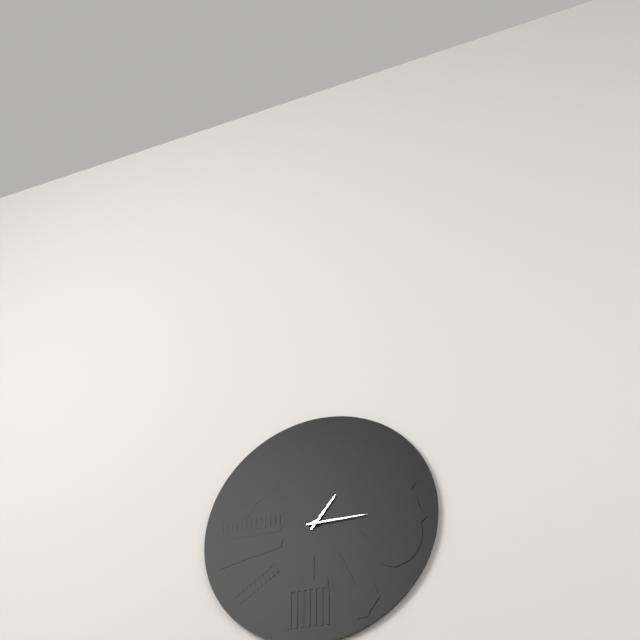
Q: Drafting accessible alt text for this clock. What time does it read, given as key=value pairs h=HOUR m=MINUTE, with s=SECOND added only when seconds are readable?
h=1 m=15
